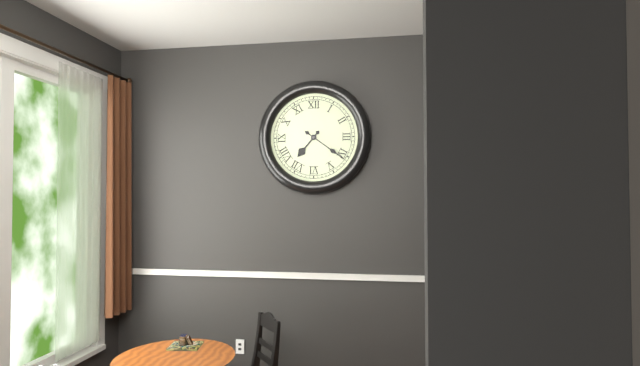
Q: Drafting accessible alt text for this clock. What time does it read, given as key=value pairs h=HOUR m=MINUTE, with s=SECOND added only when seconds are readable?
h=7 m=21
